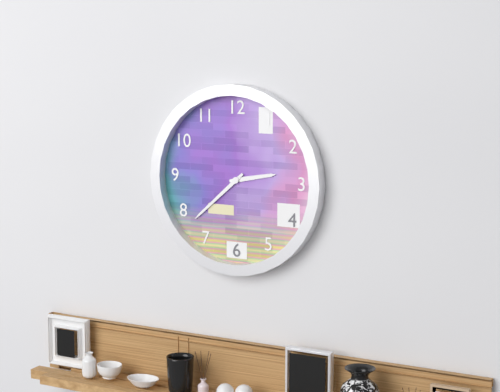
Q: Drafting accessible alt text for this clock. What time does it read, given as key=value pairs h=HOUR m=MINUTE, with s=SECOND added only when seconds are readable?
h=2 m=38
